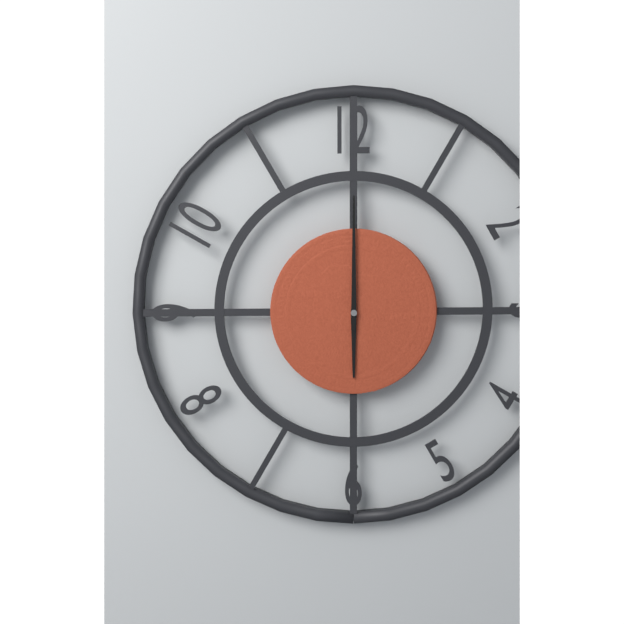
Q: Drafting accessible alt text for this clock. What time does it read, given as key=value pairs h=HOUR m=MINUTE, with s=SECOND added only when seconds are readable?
h=6 m=0
